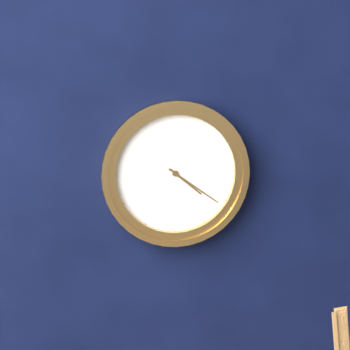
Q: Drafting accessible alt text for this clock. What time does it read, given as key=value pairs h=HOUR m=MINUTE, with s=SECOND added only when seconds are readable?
h=4 m=21
